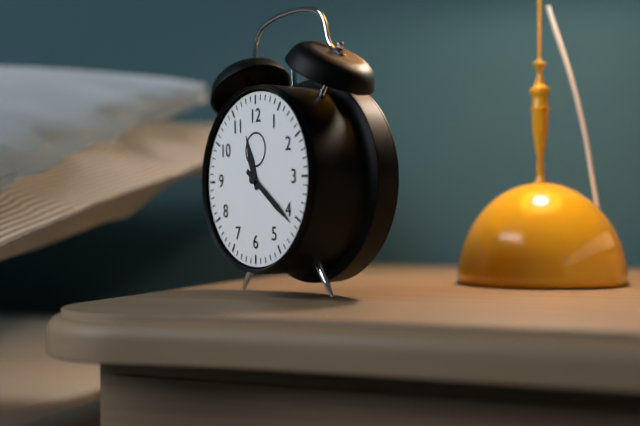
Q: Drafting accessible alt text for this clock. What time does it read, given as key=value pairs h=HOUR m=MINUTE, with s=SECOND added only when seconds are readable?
h=11 m=21
